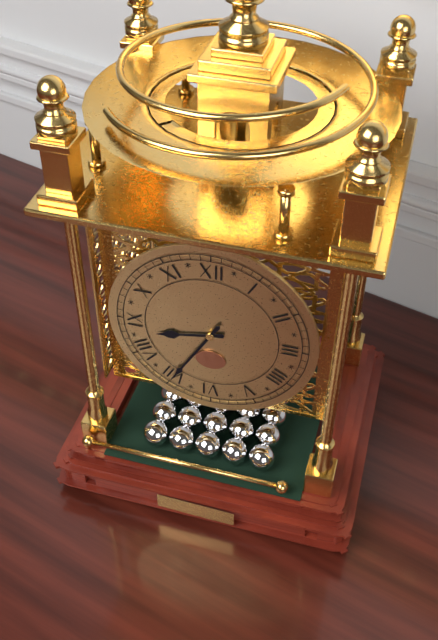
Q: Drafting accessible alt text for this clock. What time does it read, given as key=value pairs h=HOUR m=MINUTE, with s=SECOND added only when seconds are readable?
h=8 m=35
